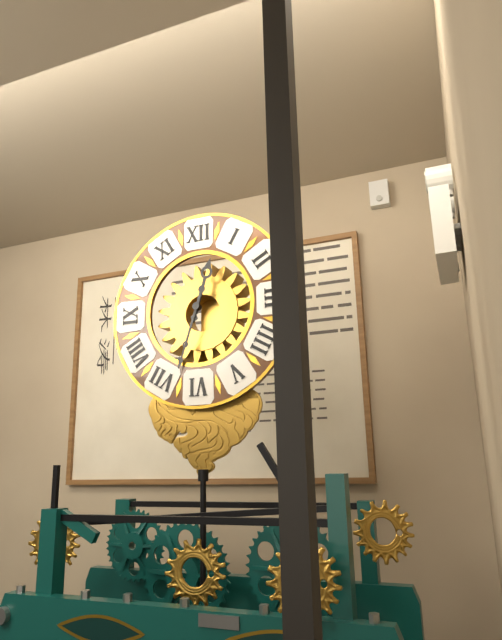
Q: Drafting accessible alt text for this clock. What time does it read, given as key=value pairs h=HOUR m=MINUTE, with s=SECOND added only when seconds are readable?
h=12 m=33
